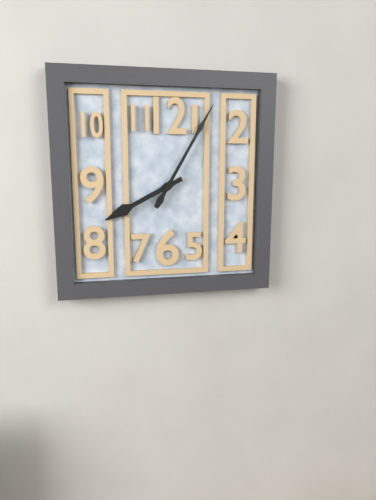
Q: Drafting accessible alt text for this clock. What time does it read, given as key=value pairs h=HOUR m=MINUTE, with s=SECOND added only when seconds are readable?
h=8 m=5
